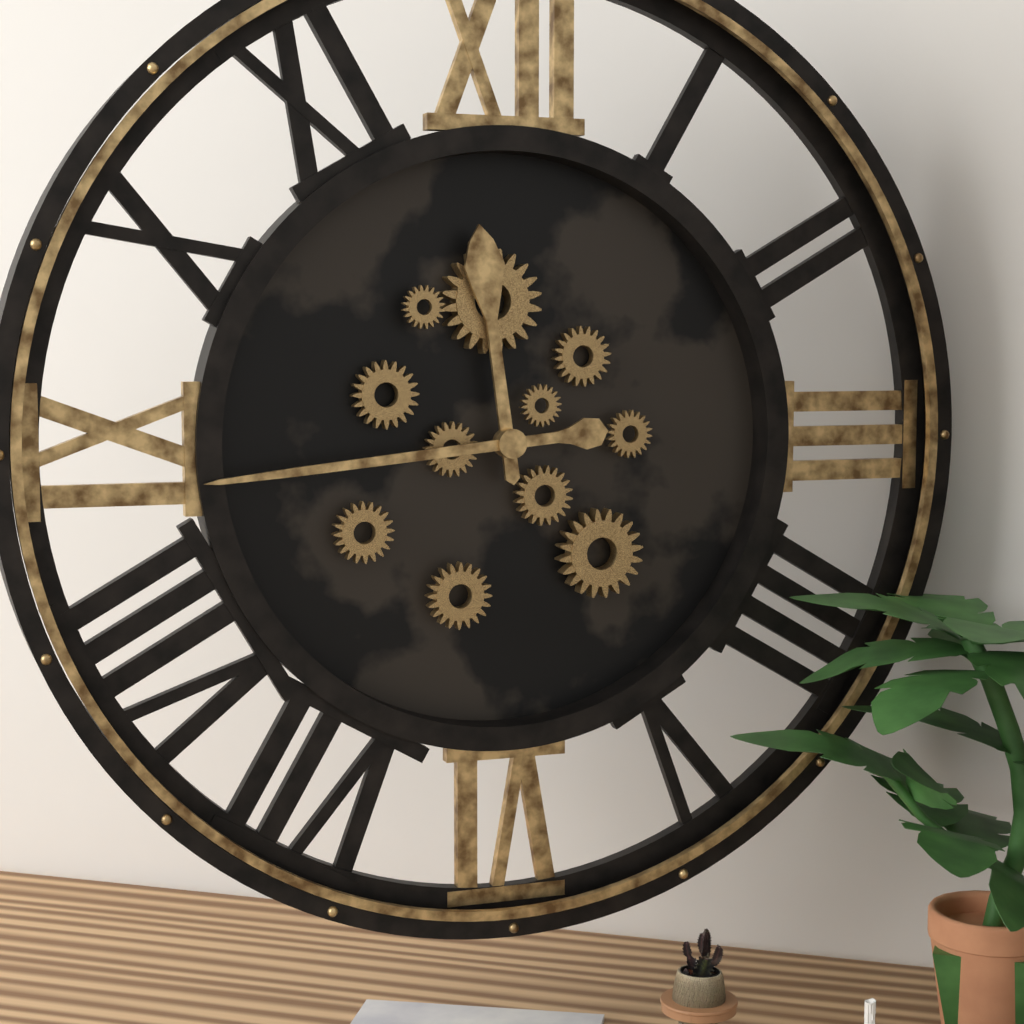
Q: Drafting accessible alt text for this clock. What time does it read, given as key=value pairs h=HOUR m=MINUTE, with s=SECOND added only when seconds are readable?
h=11 m=44
